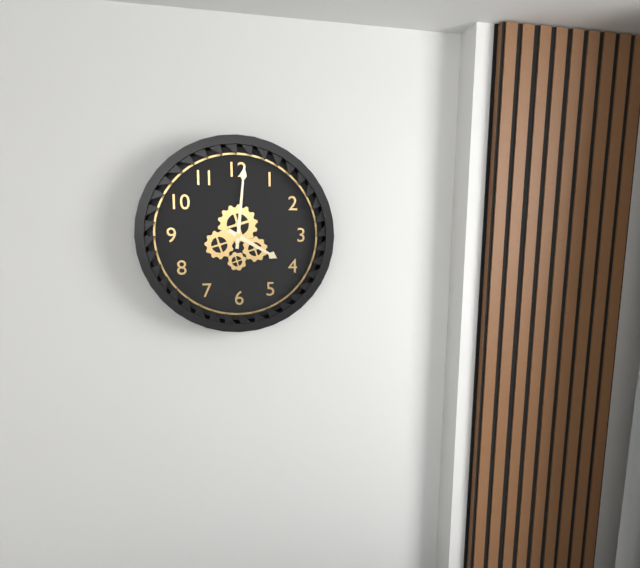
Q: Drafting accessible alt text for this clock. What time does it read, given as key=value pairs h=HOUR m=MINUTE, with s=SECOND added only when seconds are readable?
h=4 m=1
